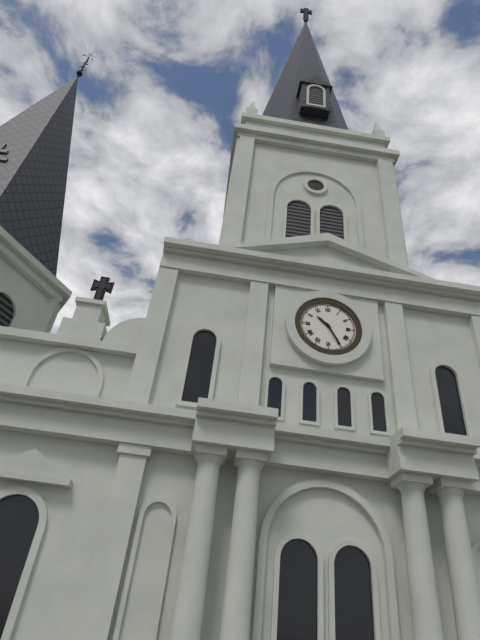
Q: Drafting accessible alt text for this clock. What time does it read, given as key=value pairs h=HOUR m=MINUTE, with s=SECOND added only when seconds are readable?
h=10 m=25
